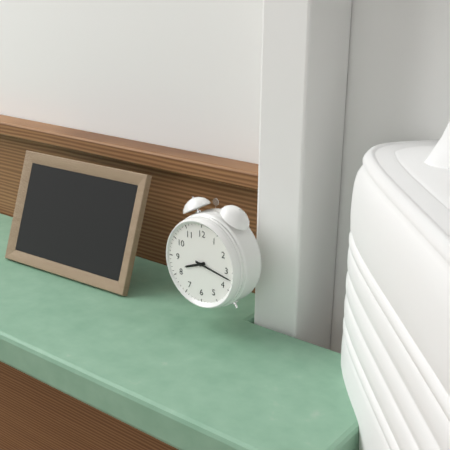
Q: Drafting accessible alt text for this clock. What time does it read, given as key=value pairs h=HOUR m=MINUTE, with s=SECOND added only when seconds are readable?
h=8 m=17
